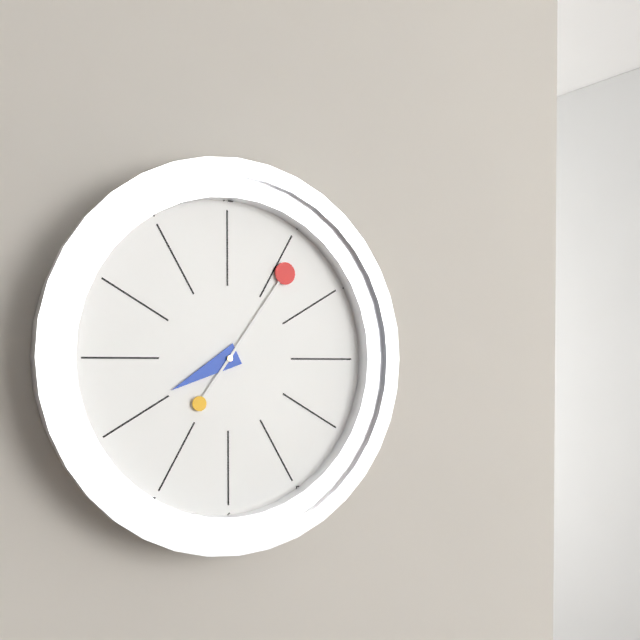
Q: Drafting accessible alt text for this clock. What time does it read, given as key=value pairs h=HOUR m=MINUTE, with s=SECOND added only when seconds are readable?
h=8 m=6
